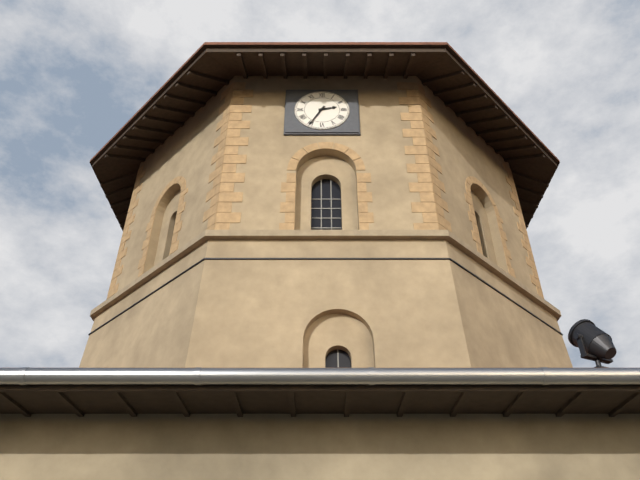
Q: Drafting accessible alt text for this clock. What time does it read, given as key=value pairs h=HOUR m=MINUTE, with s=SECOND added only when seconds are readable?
h=2 m=35
